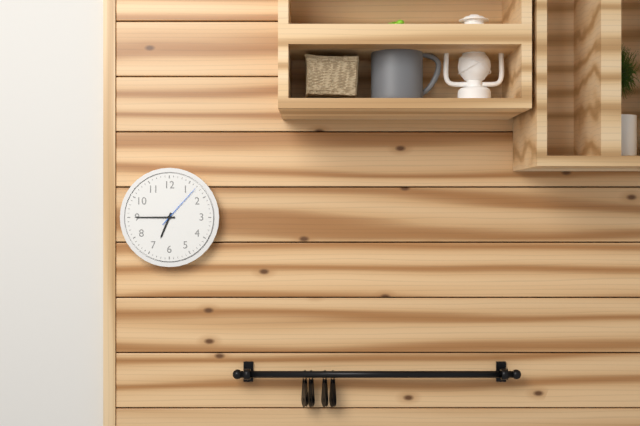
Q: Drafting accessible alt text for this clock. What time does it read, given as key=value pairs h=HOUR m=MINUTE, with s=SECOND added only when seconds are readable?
h=6 m=45 s=7
